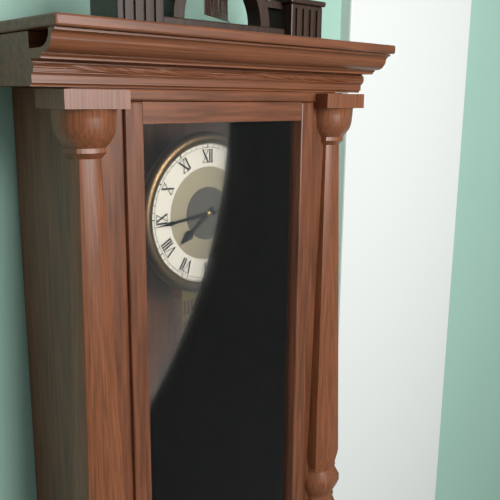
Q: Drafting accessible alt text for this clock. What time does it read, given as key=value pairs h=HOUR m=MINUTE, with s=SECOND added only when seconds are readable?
h=7 m=44
